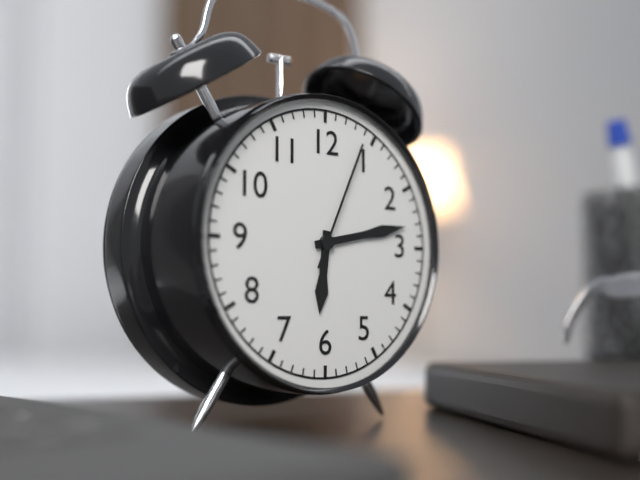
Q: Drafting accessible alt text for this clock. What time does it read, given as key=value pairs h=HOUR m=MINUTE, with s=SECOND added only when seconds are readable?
h=6 m=13 s=4
